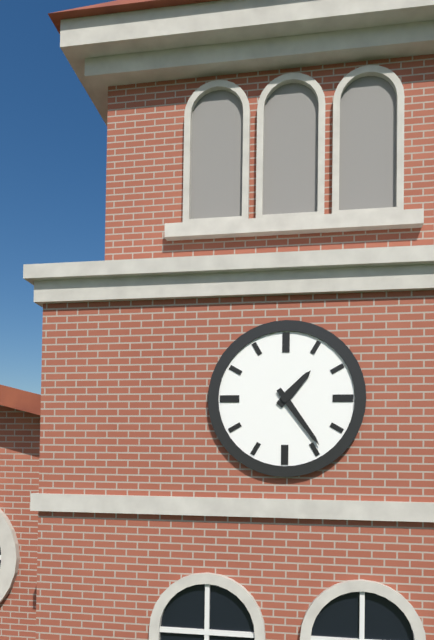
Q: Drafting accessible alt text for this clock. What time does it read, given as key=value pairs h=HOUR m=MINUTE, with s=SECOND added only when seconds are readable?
h=1 m=24
